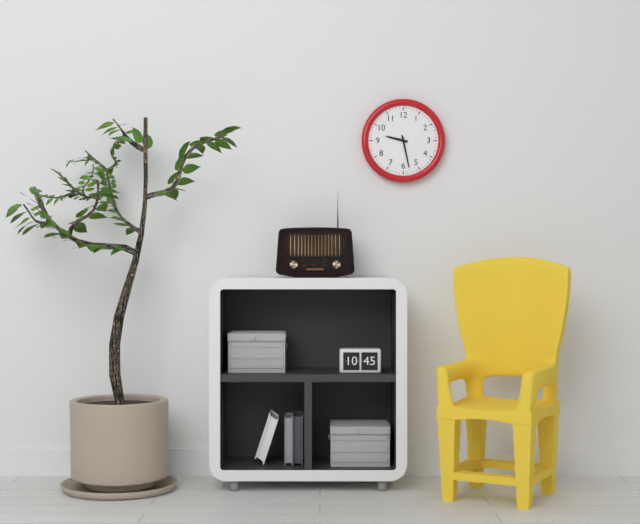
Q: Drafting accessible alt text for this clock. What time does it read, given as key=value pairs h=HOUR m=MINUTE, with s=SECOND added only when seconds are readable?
h=9 m=28
